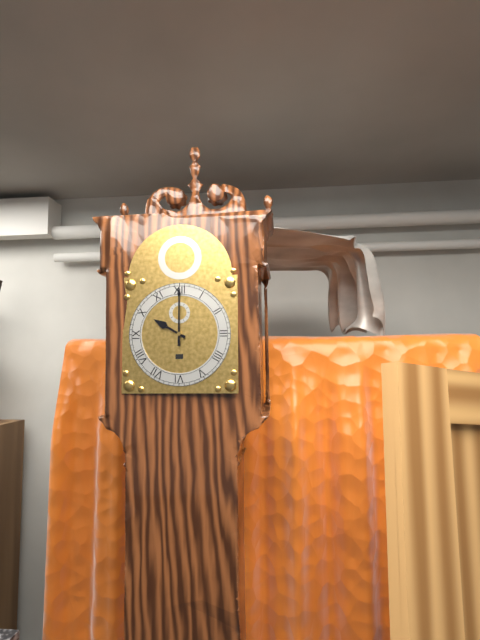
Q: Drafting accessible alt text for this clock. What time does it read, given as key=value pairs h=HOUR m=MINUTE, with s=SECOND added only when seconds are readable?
h=10 m=0
